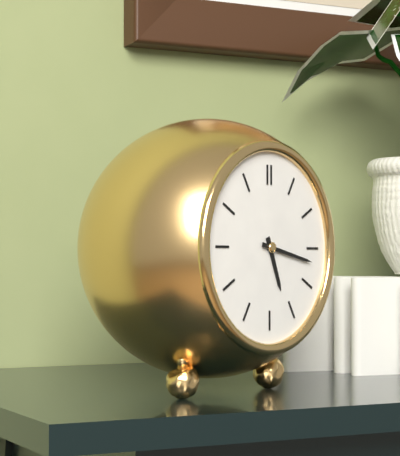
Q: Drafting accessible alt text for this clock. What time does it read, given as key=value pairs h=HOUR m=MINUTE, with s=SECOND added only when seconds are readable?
h=5 m=17
